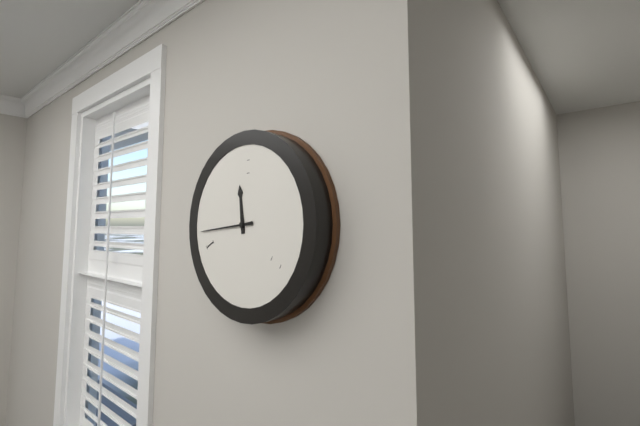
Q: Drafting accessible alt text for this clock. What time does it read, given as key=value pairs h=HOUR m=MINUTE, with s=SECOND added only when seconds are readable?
h=11 m=44
